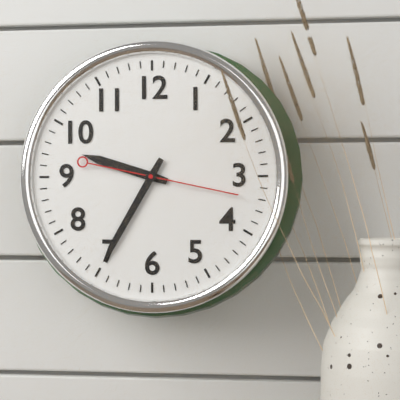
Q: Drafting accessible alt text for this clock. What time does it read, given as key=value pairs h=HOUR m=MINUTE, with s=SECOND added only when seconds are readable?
h=9 m=35 s=17
